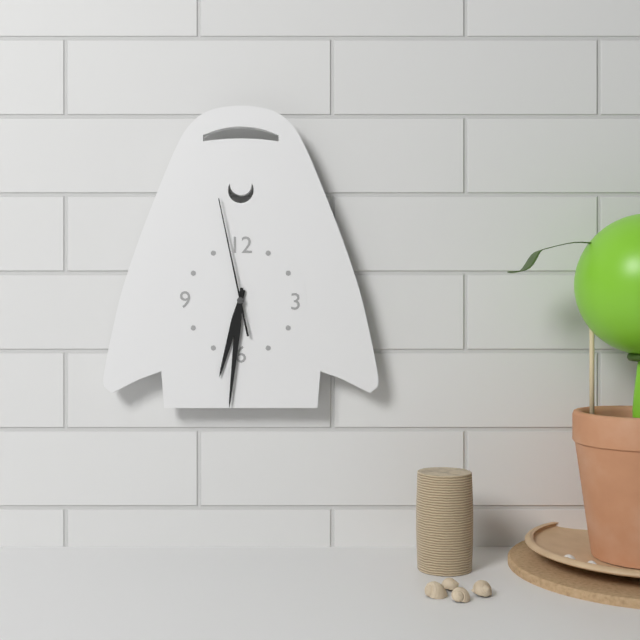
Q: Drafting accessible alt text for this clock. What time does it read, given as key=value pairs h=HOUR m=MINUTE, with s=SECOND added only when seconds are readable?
h=6 m=31 s=58
